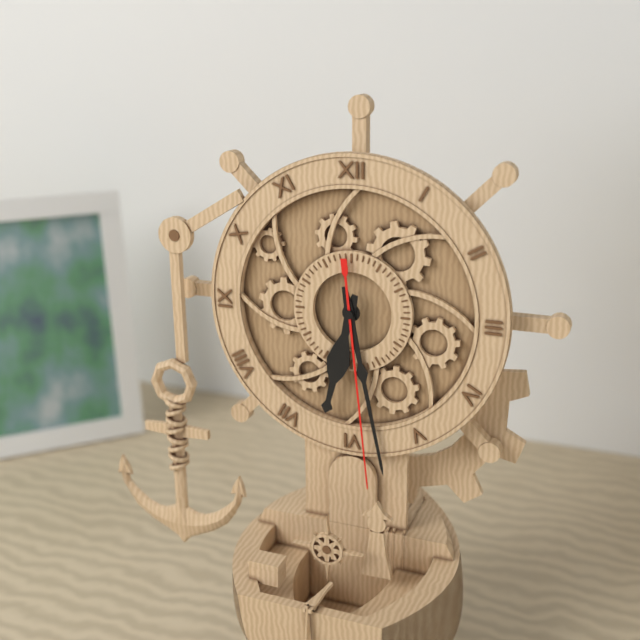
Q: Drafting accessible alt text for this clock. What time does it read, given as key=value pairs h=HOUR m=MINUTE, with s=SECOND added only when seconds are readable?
h=6 m=28 s=29
